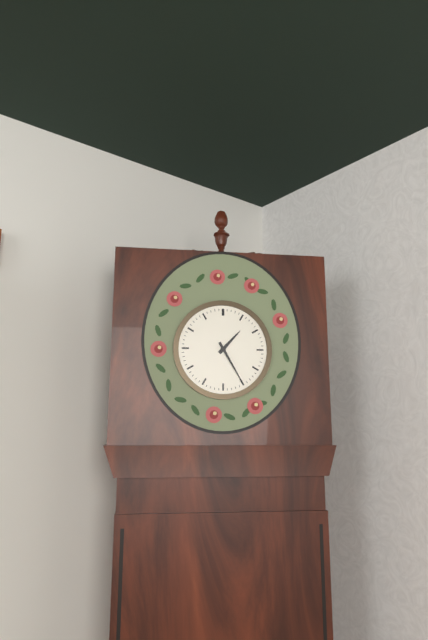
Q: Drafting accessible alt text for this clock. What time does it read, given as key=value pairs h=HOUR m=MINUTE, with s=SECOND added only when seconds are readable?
h=1 m=25
